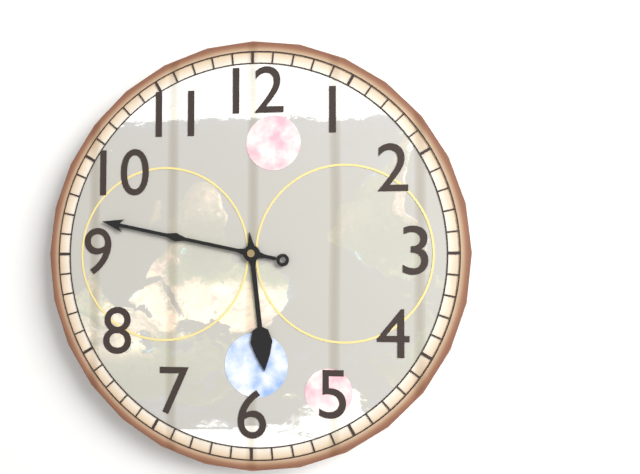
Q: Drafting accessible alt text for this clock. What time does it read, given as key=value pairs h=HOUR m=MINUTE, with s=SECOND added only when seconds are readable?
h=5 m=47
